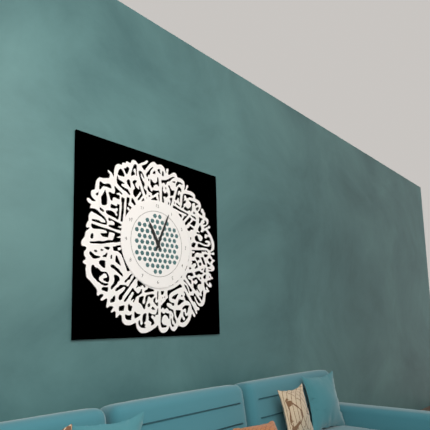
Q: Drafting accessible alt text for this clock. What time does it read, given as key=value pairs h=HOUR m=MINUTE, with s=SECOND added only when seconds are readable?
h=11 m=4
